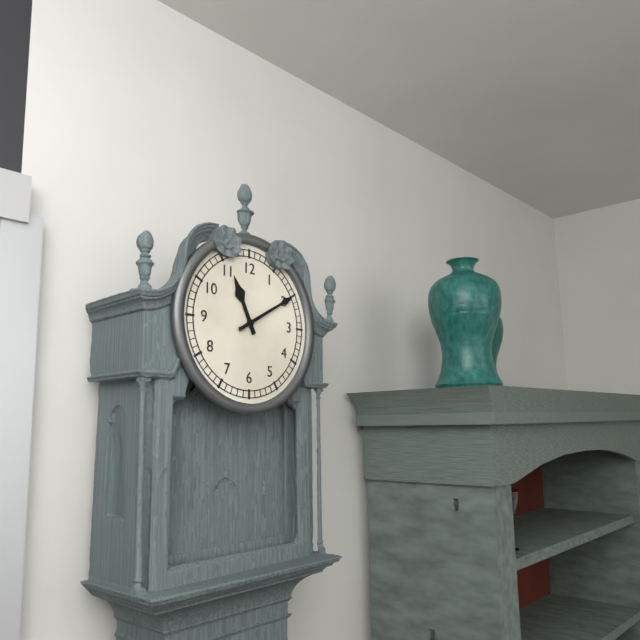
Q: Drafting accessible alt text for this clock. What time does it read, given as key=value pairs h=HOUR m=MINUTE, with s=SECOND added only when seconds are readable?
h=11 m=10
